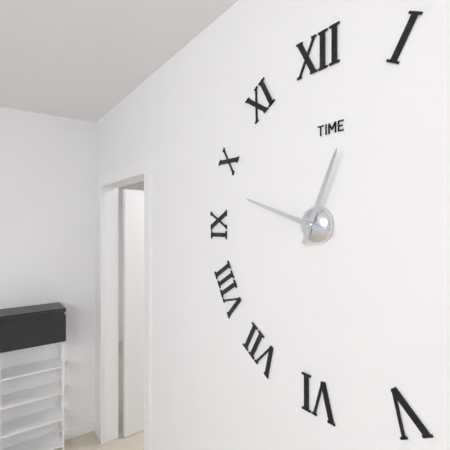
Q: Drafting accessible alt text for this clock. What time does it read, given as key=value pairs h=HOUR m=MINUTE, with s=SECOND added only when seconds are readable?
h=12 m=48
